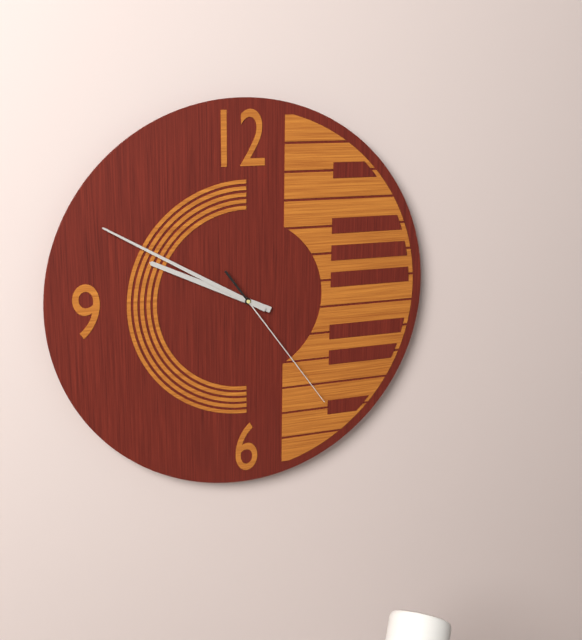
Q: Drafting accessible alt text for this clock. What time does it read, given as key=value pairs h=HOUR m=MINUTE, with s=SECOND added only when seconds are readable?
h=9 m=50 s=24
